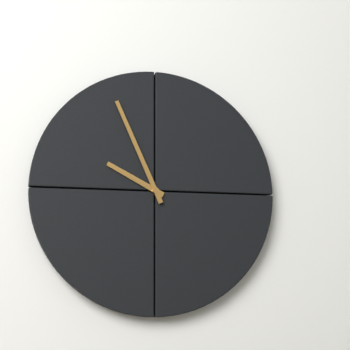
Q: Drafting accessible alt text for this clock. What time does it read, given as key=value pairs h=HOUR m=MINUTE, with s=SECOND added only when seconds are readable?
h=9 m=56
